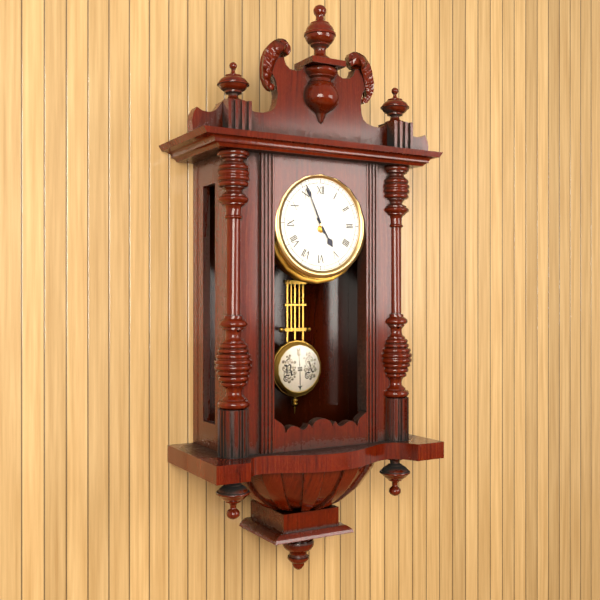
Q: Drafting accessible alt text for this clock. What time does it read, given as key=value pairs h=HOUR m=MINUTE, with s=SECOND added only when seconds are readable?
h=4 m=56
